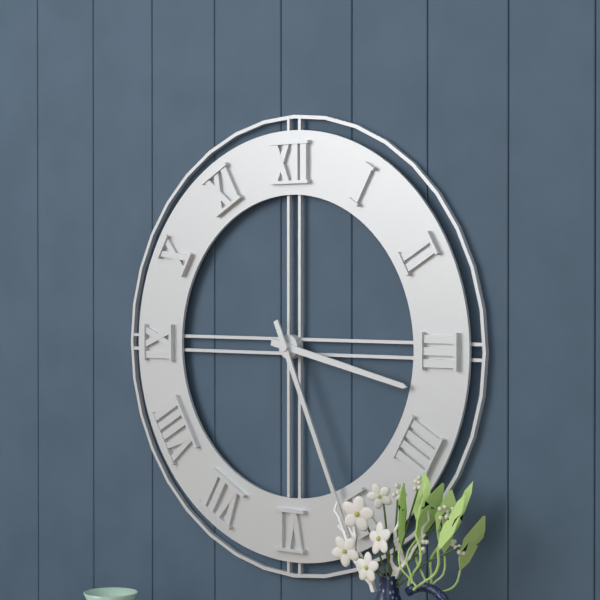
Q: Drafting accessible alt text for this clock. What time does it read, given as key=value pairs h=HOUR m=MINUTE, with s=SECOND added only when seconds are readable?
h=3 m=26
